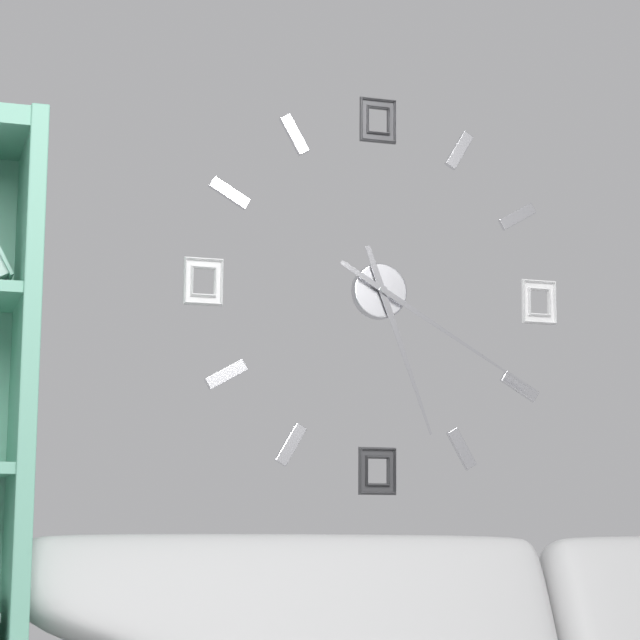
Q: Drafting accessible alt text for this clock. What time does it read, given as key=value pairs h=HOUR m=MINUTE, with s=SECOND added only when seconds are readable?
h=5 m=20
